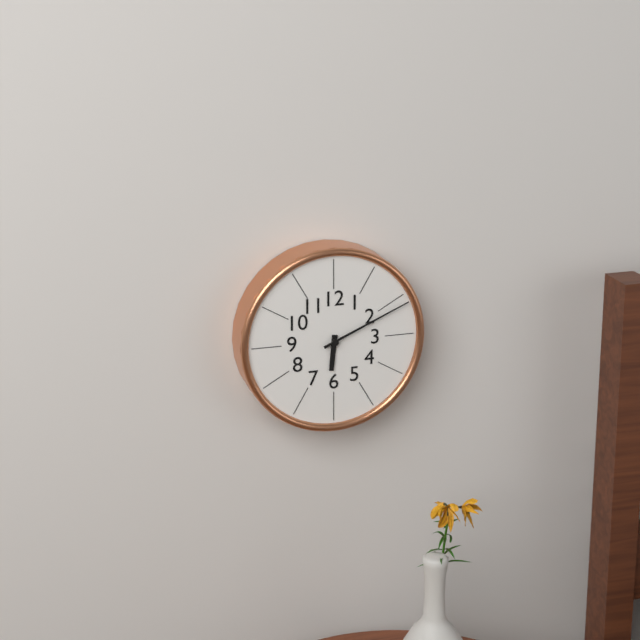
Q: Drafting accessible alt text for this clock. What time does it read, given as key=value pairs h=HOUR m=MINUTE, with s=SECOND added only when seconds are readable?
h=6 m=11
